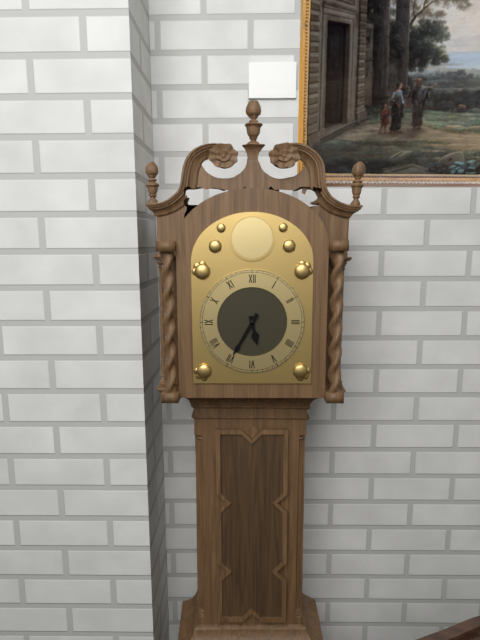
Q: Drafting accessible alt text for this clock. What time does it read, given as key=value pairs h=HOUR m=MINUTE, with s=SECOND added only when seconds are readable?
h=5 m=35
